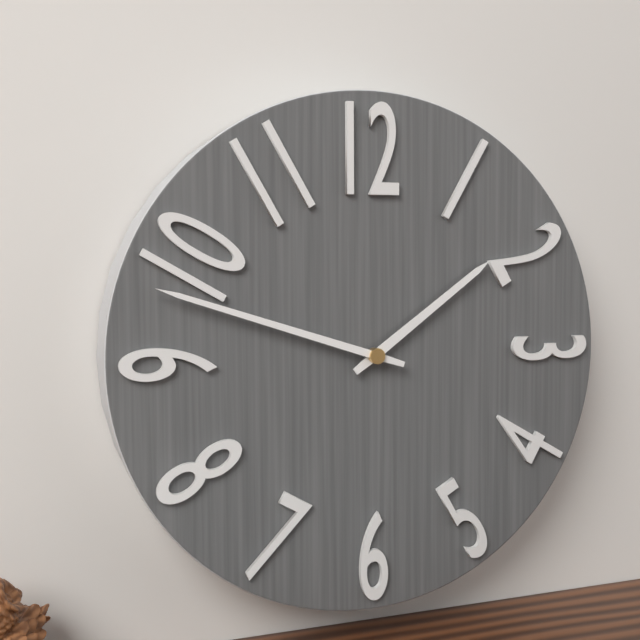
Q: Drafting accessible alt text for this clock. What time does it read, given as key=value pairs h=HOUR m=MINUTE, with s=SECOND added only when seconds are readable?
h=1 m=48
